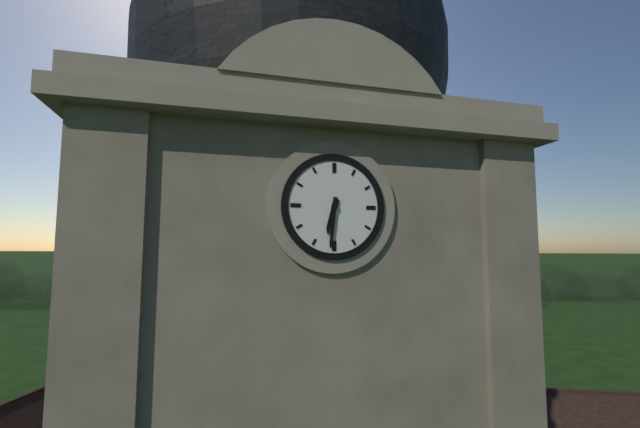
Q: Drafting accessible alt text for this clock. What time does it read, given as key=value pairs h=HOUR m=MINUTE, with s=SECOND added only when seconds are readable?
h=6 m=31
